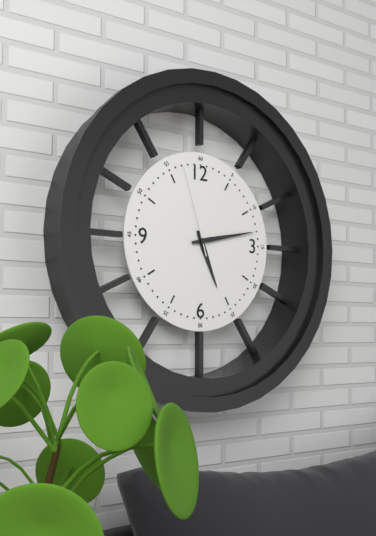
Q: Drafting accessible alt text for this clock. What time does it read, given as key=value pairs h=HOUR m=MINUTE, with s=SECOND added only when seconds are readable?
h=5 m=13 s=57
